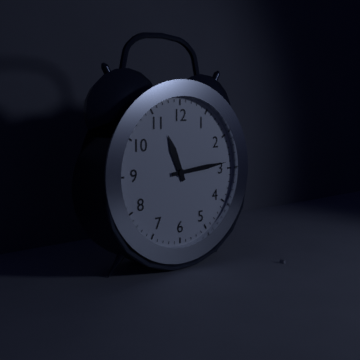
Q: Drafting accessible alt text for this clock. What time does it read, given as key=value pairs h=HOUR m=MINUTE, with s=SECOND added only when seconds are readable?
h=11 m=14
